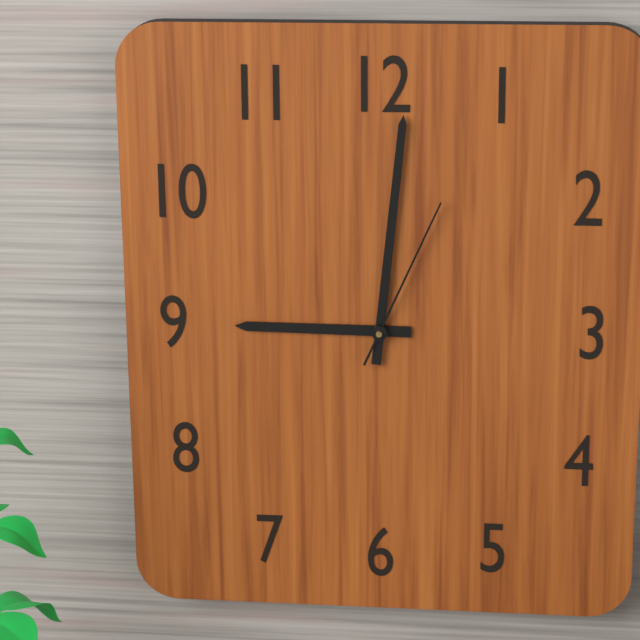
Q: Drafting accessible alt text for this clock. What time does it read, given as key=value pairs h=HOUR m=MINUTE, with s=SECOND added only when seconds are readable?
h=9 m=1 s=4
